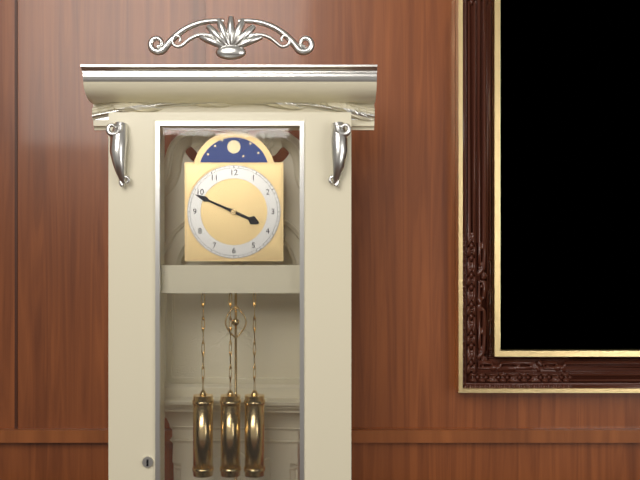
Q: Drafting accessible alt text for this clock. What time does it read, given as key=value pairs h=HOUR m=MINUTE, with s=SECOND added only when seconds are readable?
h=3 m=49
